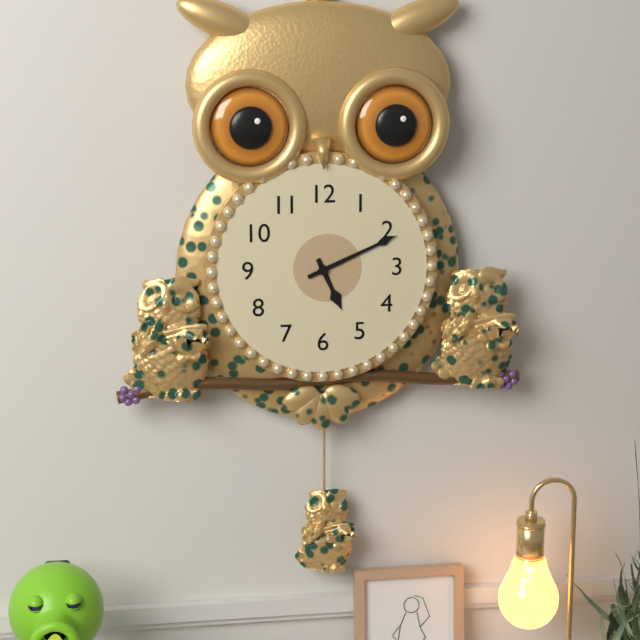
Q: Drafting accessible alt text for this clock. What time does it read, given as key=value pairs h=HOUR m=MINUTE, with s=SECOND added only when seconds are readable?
h=5 m=11
